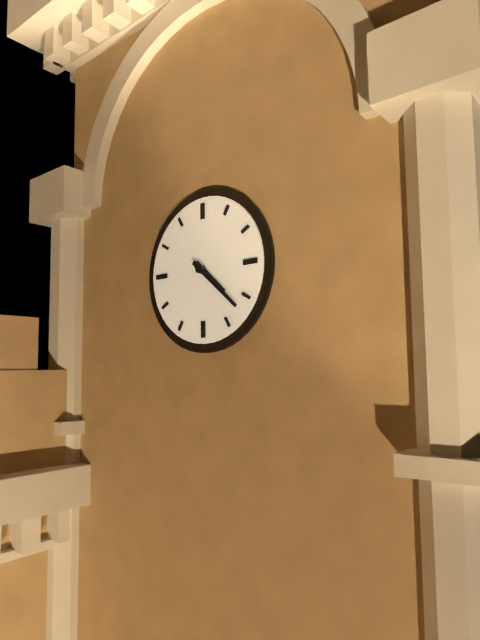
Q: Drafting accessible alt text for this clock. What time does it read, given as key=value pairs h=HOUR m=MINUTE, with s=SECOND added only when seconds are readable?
h=4 m=22
